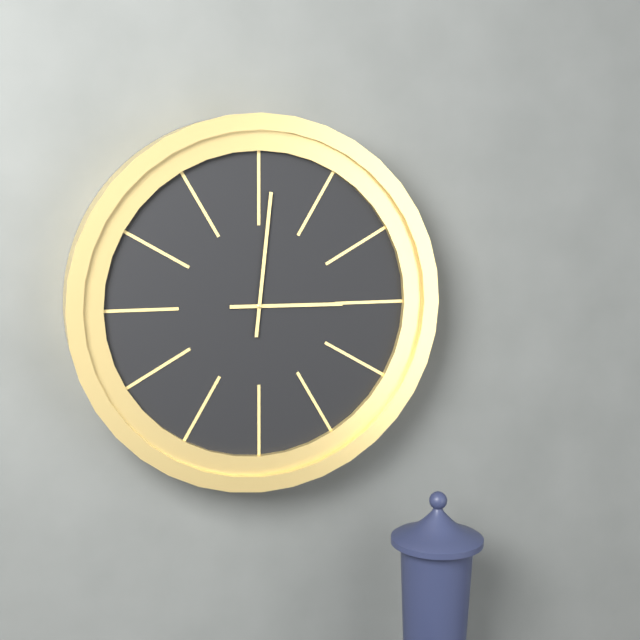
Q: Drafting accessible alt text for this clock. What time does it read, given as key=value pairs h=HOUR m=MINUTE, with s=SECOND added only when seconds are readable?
h=3 m=1
